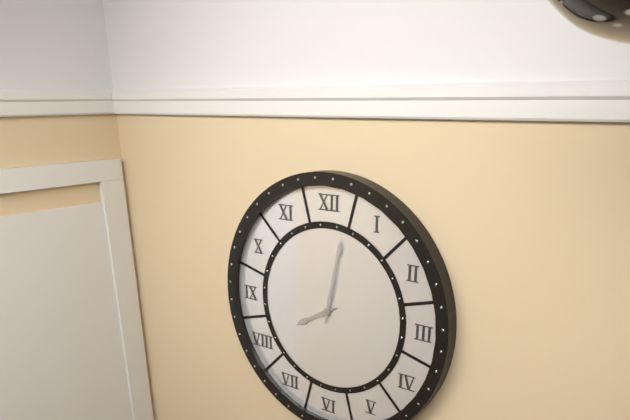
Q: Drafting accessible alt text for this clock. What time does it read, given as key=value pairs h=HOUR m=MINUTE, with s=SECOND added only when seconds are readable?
h=8 m=2
